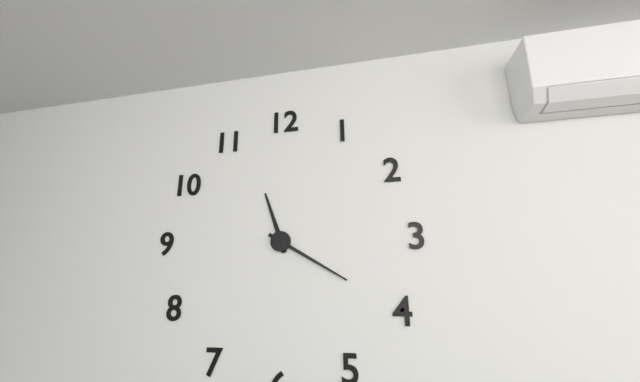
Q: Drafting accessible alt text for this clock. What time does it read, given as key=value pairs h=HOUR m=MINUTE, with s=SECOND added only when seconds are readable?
h=11 m=20
